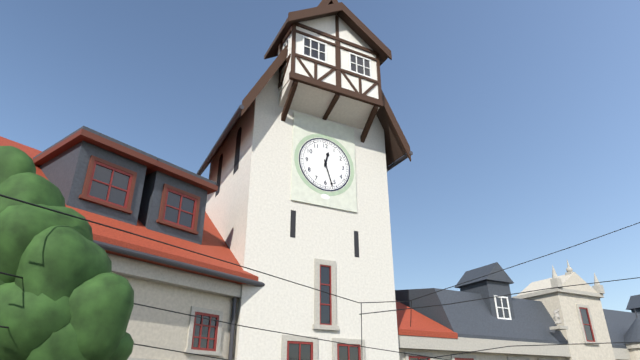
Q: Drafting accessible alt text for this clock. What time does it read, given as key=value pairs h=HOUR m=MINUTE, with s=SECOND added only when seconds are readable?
h=12 m=27
